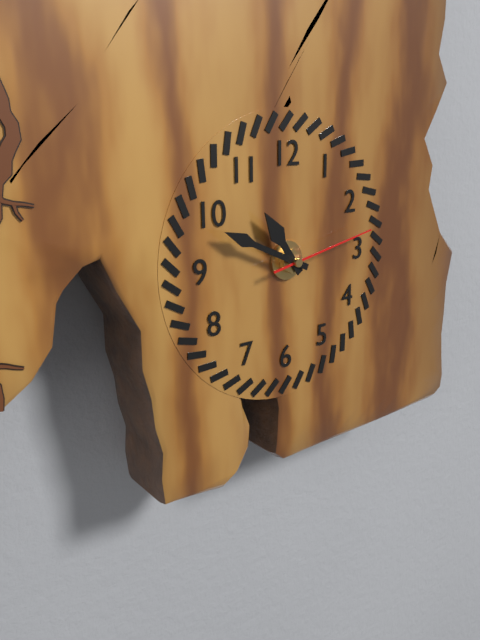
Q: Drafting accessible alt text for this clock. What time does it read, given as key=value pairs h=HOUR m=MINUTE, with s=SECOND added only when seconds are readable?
h=10 m=49 s=13
